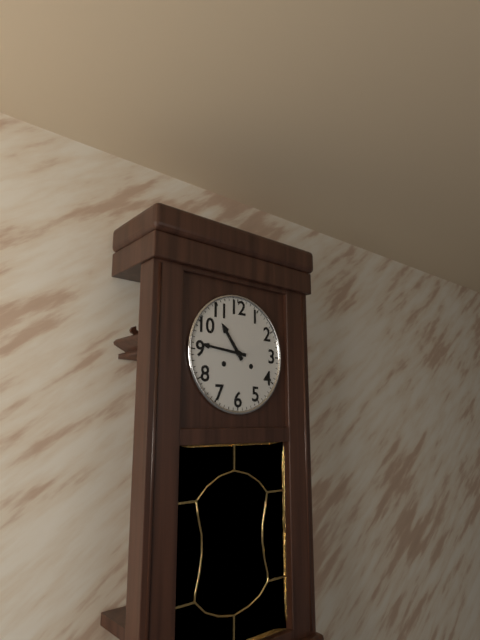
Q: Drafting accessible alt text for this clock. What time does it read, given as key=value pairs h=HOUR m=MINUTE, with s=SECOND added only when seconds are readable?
h=10 m=46
